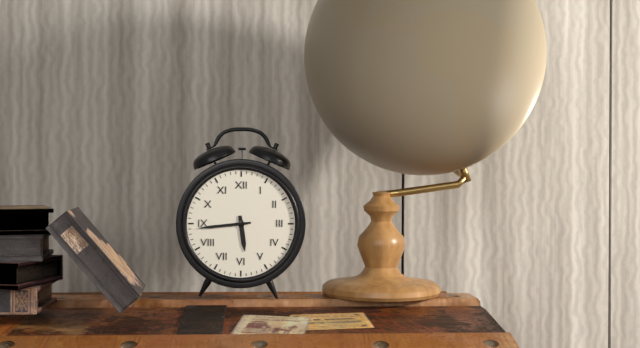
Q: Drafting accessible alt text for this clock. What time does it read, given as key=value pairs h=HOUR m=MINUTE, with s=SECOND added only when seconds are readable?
h=5 m=44
